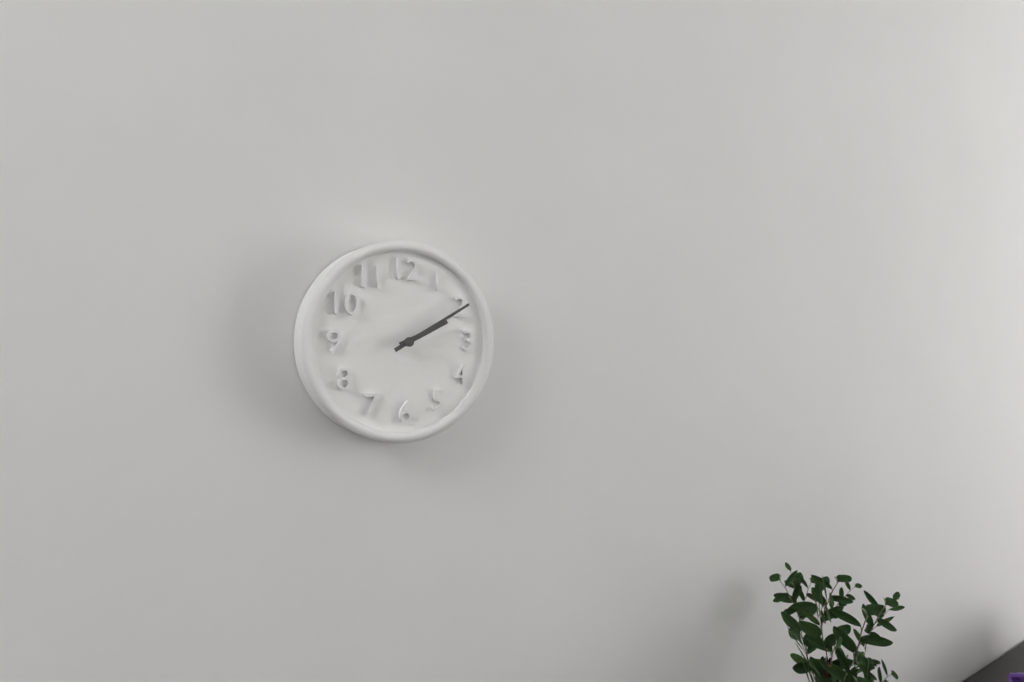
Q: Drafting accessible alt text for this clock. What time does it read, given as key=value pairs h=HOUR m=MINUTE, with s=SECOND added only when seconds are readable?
h=2 m=10
